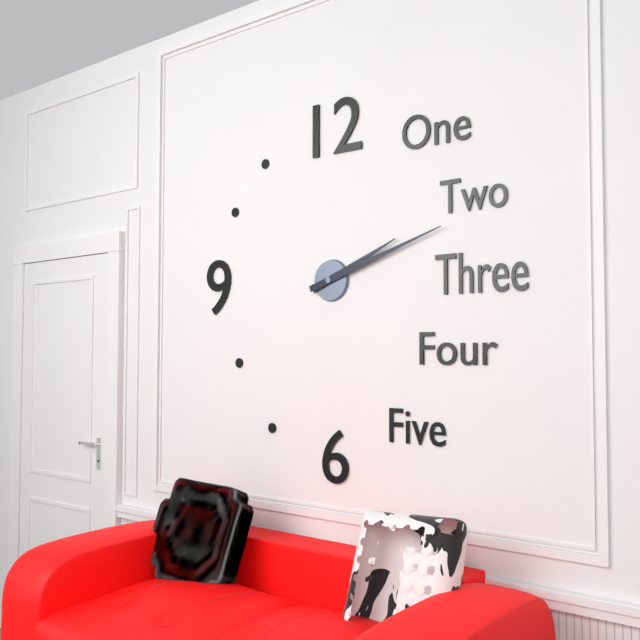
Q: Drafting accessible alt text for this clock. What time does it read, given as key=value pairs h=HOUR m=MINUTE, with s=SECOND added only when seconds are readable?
h=2 m=12
